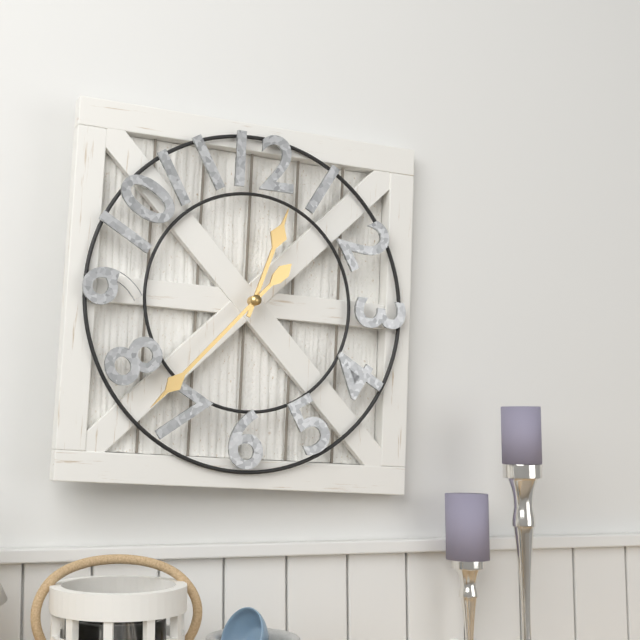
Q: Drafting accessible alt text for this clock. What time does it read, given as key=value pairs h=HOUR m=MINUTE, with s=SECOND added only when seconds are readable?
h=12 m=37
